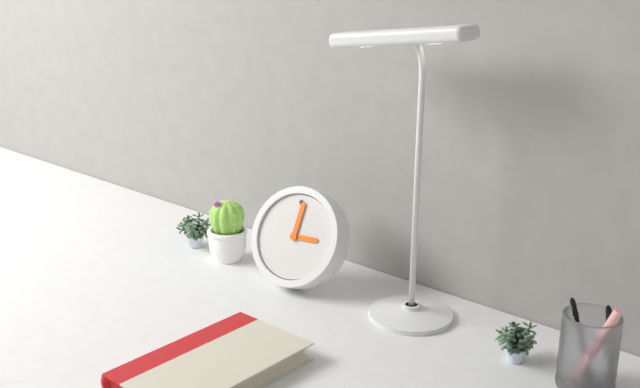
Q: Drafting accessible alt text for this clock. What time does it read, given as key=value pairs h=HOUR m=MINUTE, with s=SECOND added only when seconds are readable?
h=3 m=1
